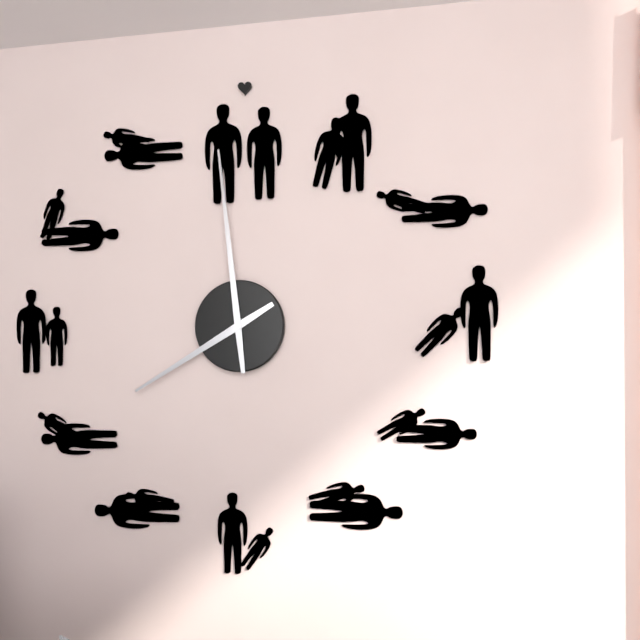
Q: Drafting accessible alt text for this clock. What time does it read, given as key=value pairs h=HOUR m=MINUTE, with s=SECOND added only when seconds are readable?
h=7 m=59
